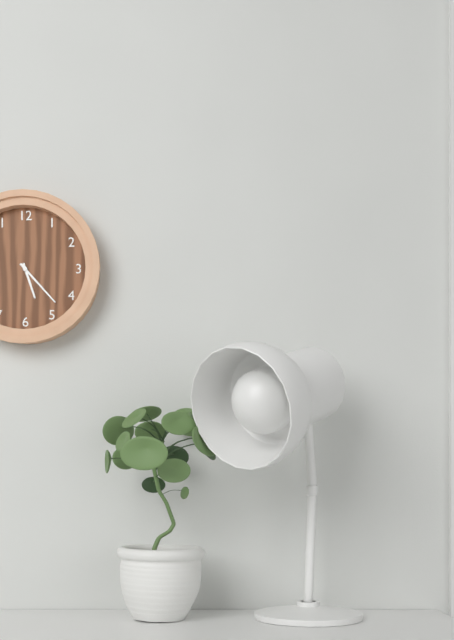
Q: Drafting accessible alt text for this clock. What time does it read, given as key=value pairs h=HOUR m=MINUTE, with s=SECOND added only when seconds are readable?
h=5 m=23
